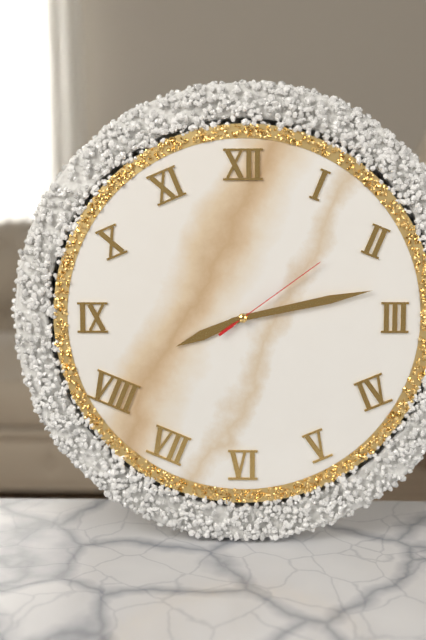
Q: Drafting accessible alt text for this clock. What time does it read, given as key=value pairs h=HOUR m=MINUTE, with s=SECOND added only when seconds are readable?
h=8 m=13 s=9
